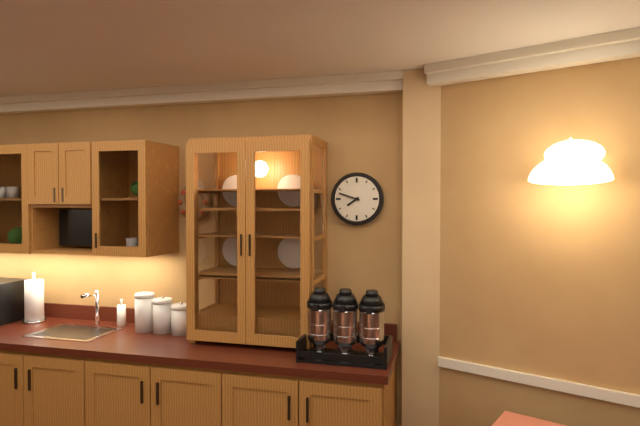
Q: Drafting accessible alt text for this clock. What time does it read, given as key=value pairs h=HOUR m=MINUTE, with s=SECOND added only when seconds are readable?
h=7 m=48
